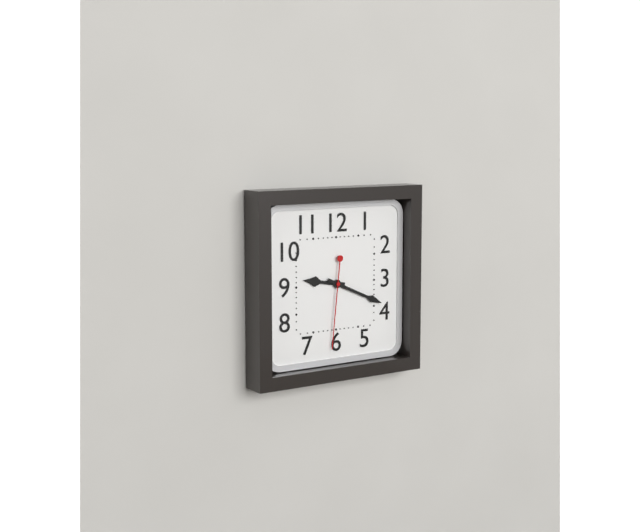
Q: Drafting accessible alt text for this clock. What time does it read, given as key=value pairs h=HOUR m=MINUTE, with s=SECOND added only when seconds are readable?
h=9 m=19 s=31
